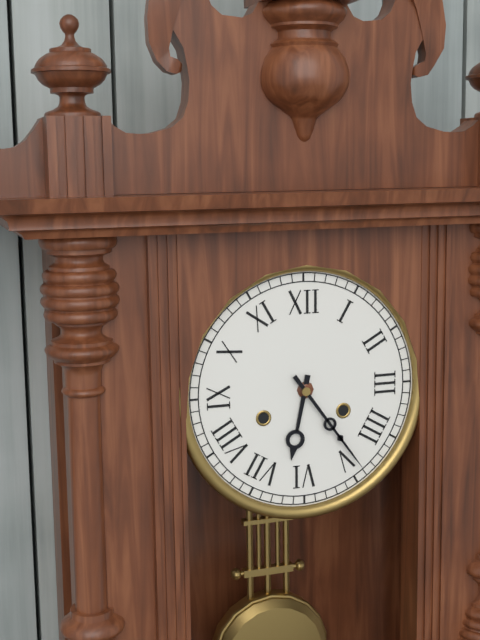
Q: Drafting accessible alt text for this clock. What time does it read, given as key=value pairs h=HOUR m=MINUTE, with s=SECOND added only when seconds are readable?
h=6 m=24
